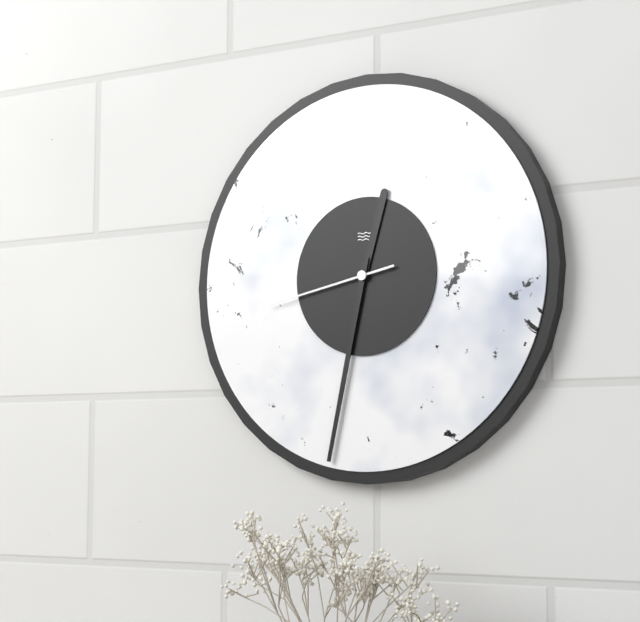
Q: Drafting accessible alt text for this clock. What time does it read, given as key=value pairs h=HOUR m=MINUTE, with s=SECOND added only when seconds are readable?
h=12 m=32 s=43
